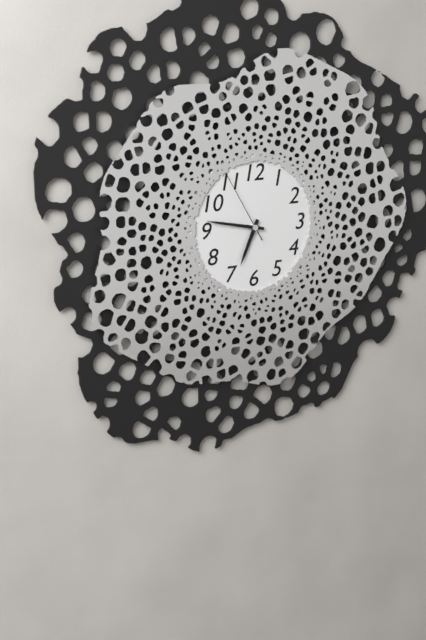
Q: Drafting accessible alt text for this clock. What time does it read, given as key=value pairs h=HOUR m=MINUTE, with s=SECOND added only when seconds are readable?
h=6 m=47 s=55
